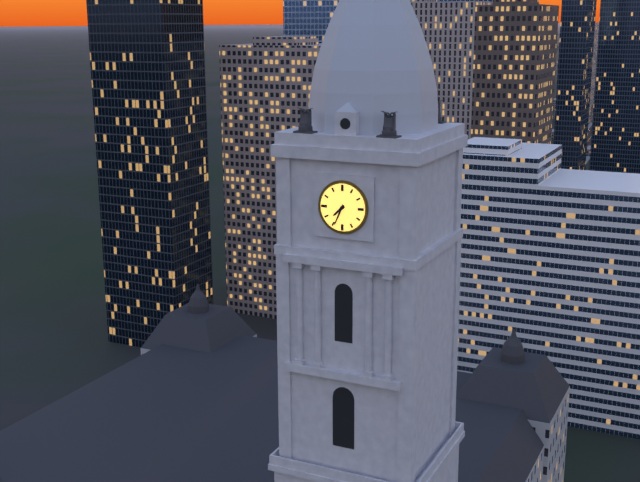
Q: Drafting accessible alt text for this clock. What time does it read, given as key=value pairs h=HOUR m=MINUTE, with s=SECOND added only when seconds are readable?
h=7 m=34
